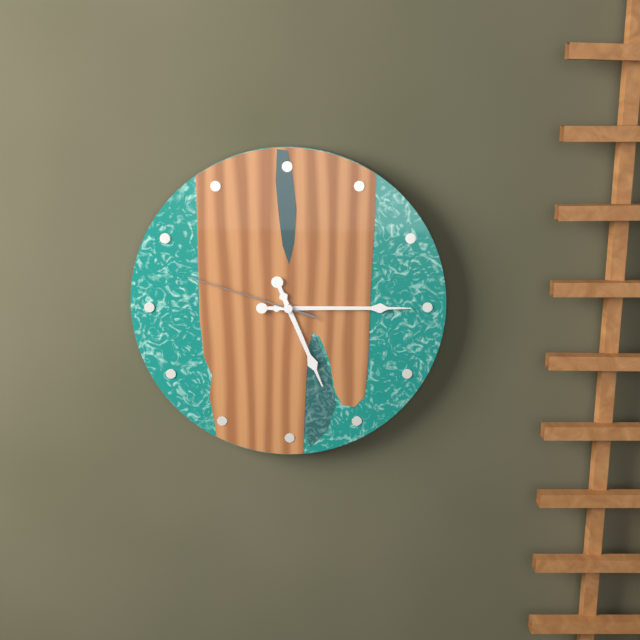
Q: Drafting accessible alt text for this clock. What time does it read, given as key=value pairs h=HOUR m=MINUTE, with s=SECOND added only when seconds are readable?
h=5 m=15 s=48
